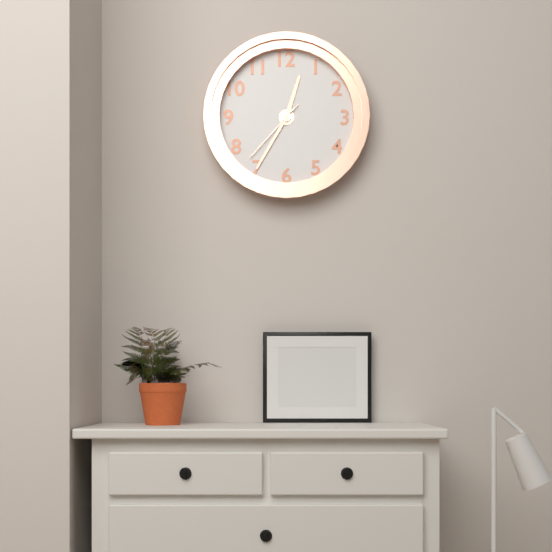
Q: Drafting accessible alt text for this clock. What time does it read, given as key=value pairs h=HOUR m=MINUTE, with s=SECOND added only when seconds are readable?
h=12 m=35 s=37
